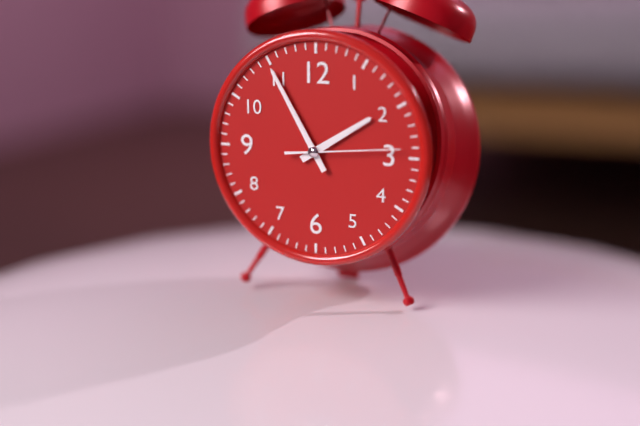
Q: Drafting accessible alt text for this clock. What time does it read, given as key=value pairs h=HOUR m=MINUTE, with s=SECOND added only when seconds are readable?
h=1 m=55 s=14
